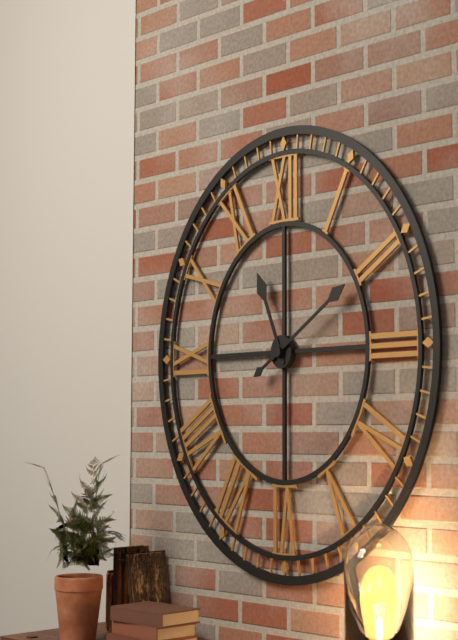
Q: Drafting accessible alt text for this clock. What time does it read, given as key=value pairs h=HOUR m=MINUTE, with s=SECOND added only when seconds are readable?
h=11 m=10
